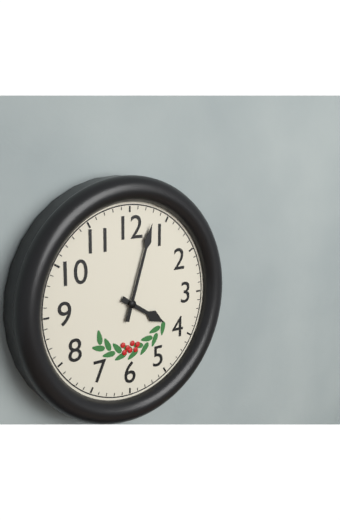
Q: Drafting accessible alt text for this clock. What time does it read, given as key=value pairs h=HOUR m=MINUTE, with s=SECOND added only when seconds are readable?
h=4 m=3
